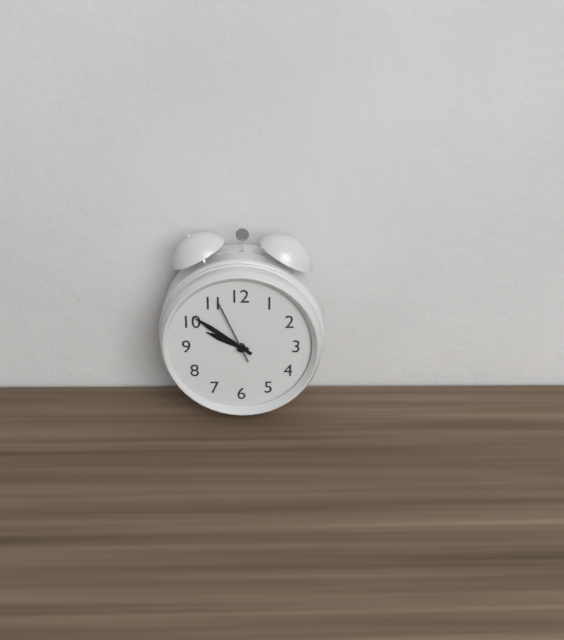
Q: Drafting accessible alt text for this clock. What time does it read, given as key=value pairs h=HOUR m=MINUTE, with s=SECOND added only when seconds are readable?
h=9 m=51 s=56
